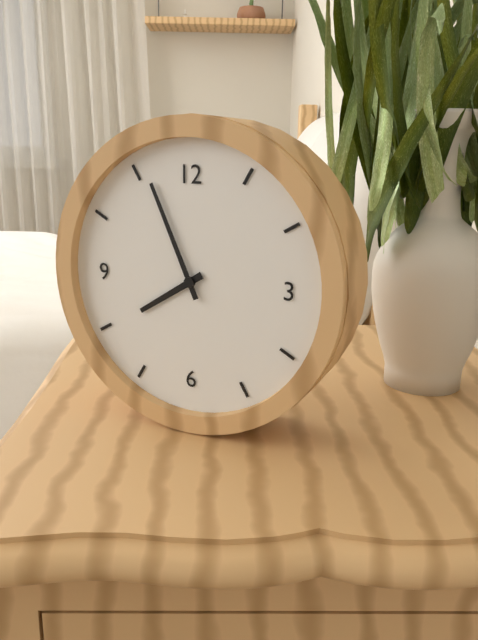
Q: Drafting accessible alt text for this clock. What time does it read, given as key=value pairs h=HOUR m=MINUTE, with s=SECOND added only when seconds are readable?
h=7 m=56
